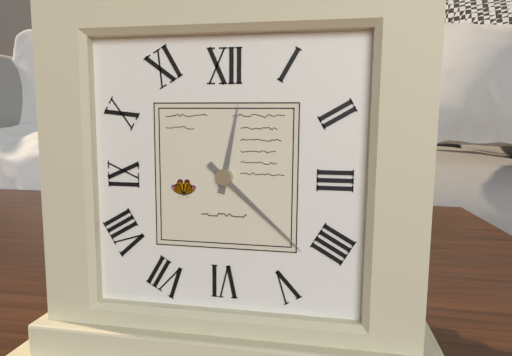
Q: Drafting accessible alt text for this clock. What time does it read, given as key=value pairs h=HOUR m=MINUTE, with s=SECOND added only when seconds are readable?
h=12 m=22
